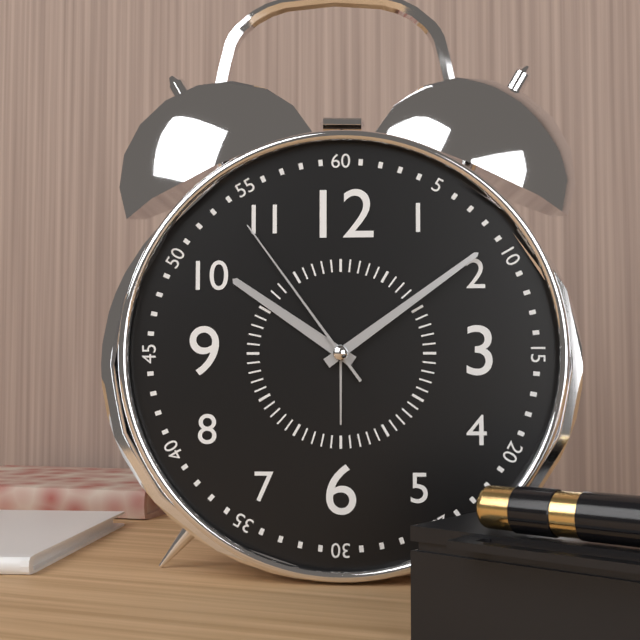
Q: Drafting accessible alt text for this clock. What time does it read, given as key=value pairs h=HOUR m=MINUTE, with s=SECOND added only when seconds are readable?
h=10 m=9 s=54
